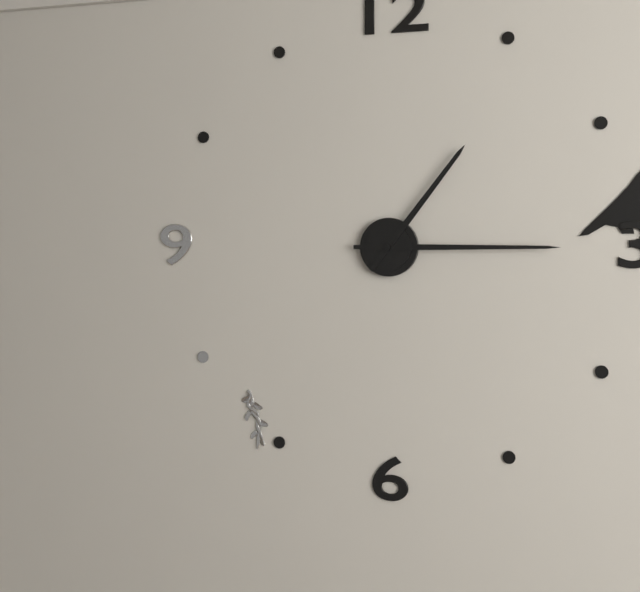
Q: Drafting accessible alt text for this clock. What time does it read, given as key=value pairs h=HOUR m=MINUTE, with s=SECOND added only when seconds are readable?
h=1 m=15
